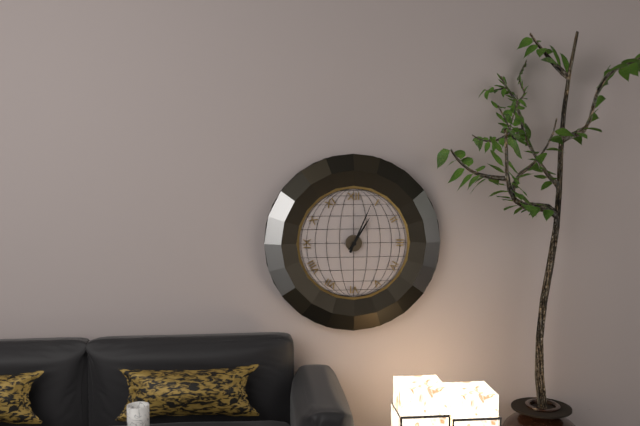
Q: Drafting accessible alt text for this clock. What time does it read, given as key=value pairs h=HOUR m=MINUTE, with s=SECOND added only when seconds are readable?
h=1 m=4
